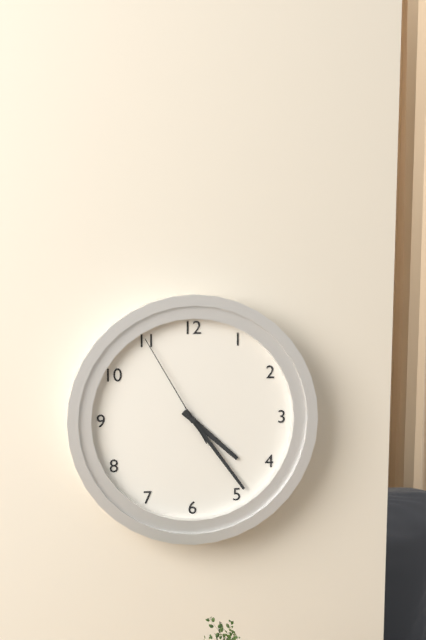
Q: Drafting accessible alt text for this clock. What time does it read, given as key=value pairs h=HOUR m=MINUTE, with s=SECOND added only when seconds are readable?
h=4 m=24 s=55
